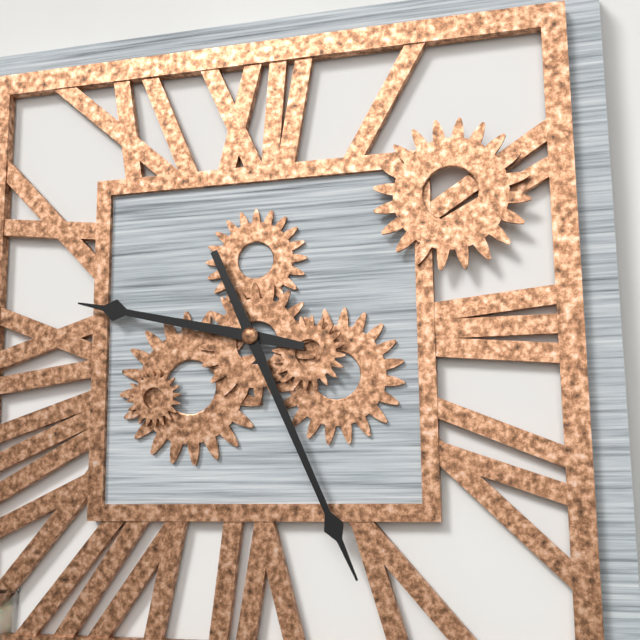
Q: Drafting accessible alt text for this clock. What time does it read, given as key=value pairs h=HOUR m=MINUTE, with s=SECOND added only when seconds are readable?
h=9 m=26
